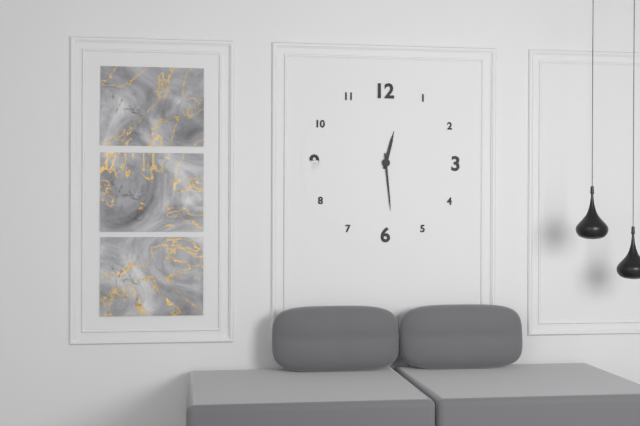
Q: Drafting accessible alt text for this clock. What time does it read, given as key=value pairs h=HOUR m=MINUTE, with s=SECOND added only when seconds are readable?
h=12 m=29
